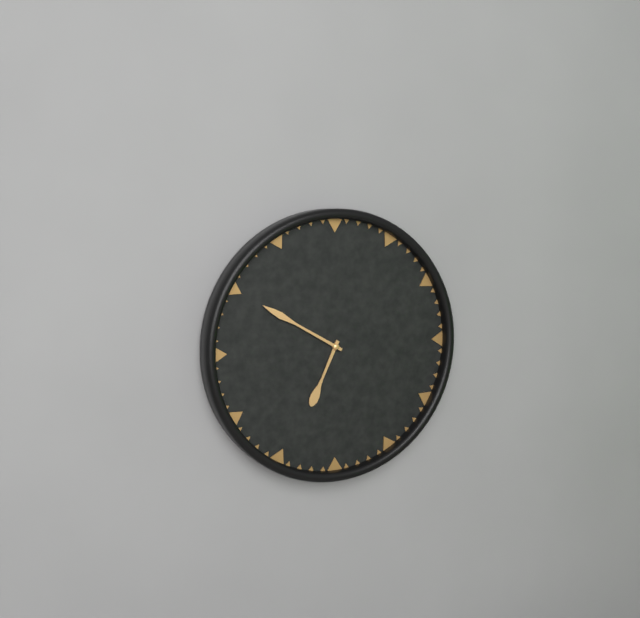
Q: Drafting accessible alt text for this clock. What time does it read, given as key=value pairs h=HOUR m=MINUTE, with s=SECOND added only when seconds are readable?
h=6 m=50
